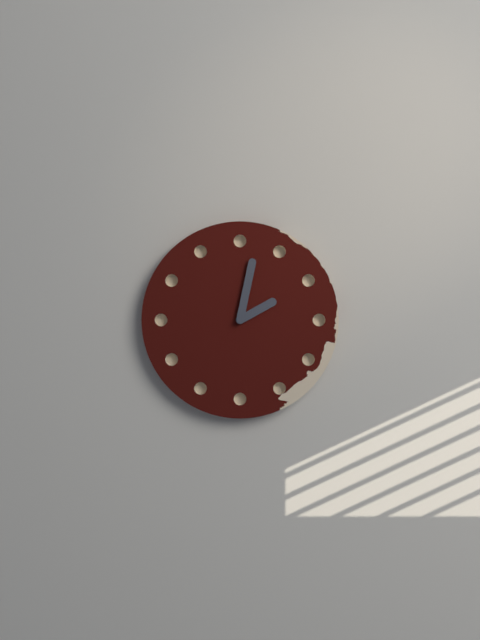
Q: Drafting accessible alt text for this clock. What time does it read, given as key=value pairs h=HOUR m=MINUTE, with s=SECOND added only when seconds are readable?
h=2 m=2
